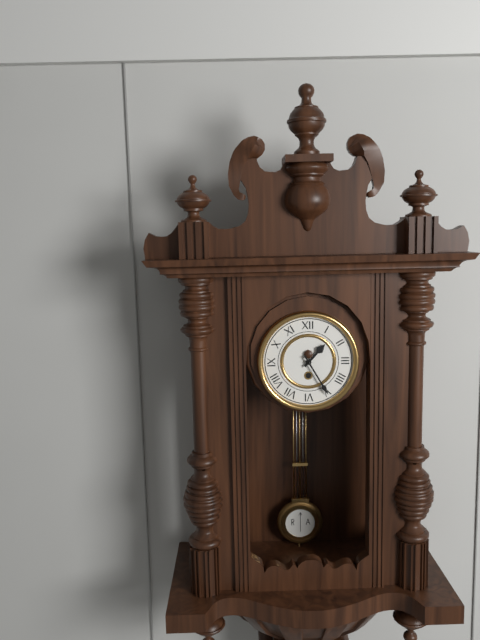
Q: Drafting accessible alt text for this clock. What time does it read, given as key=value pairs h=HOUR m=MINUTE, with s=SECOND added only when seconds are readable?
h=1 m=25
